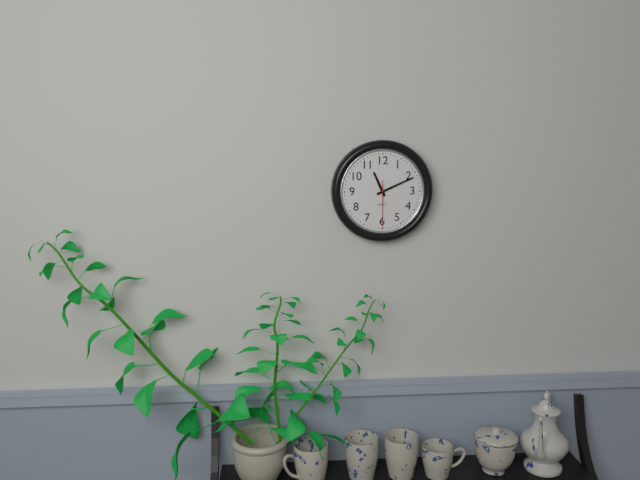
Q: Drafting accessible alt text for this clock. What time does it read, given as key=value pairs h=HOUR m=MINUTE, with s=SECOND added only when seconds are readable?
h=11 m=11
